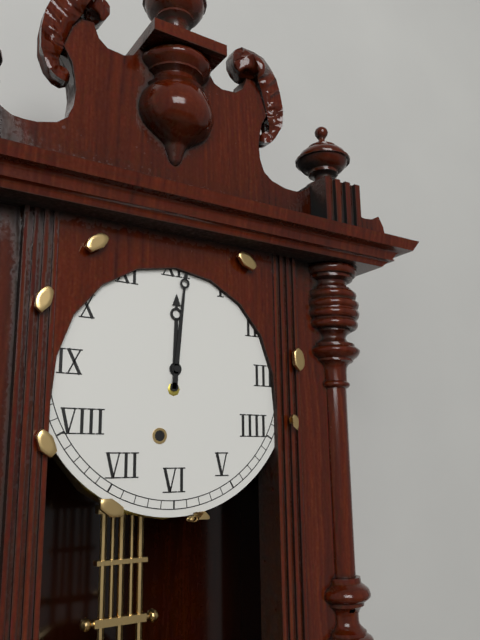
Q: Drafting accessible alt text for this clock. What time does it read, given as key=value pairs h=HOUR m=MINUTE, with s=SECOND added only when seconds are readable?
h=12 m=1
